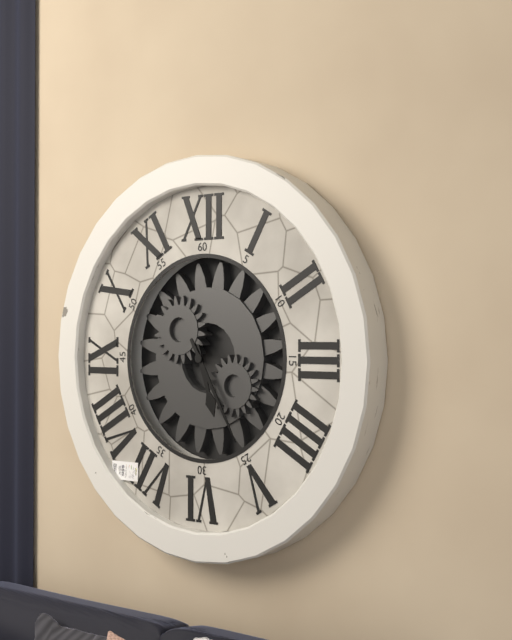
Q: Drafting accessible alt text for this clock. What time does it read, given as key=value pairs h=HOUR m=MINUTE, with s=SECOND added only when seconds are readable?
h=5 m=25
